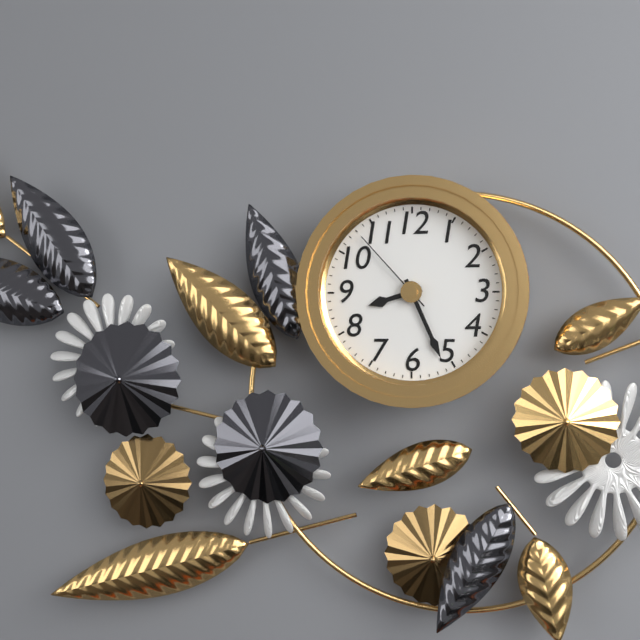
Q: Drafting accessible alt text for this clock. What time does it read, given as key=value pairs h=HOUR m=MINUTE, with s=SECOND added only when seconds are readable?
h=8 m=26 s=53
